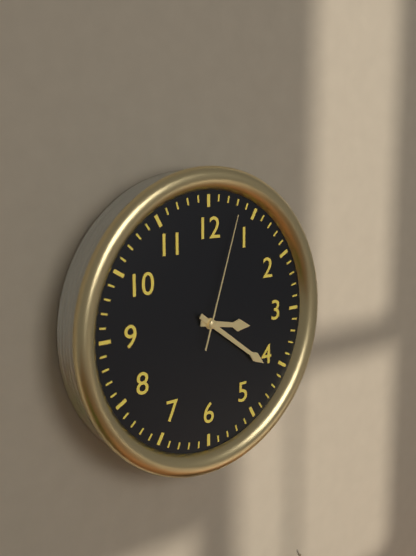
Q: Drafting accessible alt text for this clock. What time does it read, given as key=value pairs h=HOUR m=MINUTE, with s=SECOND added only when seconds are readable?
h=3 m=21 s=3
